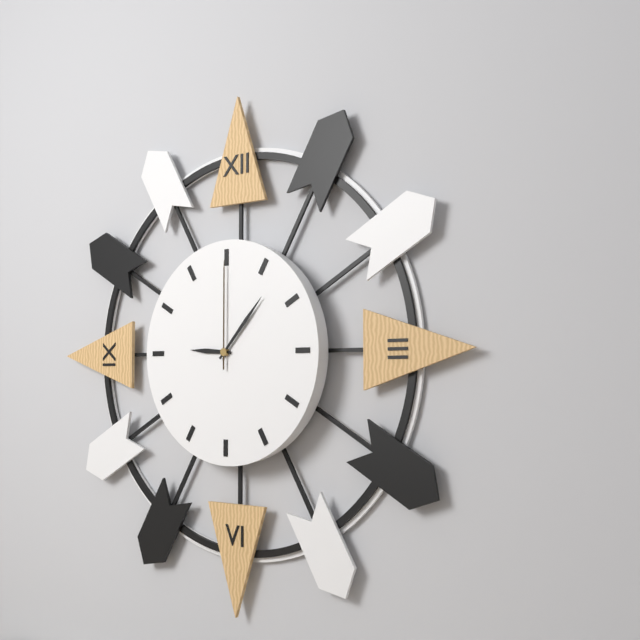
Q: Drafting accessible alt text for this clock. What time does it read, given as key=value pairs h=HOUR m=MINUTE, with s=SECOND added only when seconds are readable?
h=9 m=7 s=0
